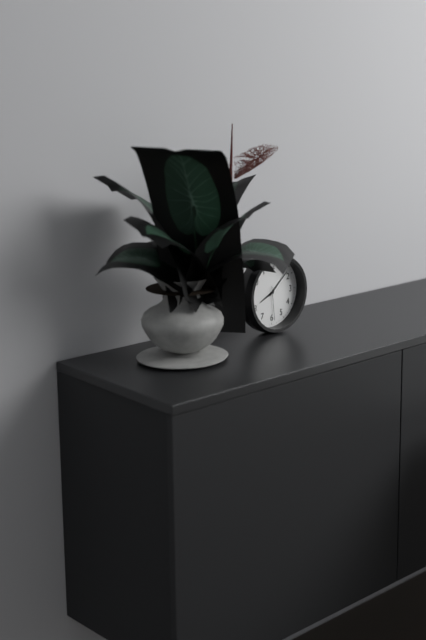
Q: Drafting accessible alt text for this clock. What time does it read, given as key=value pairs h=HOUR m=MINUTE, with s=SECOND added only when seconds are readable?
h=8 m=8
